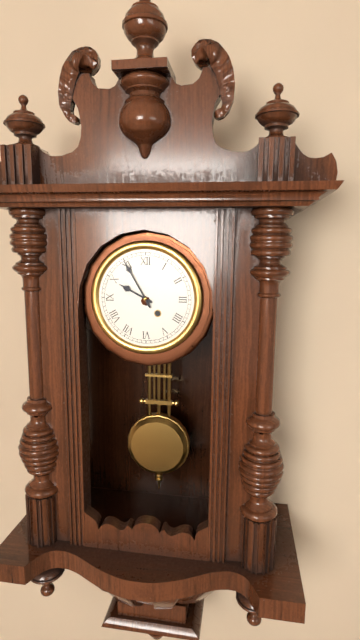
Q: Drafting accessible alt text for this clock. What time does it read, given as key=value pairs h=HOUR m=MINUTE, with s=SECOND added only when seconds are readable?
h=9 m=55
